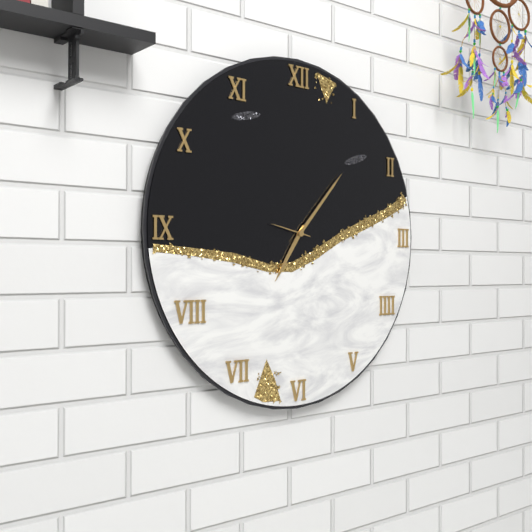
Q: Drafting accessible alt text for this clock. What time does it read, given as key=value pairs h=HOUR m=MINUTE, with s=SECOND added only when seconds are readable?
h=7 m=7
